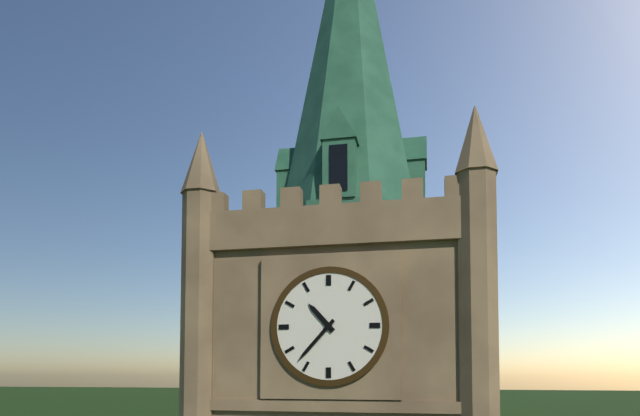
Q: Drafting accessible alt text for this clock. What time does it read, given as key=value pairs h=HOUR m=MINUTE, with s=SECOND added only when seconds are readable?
h=10 m=37
